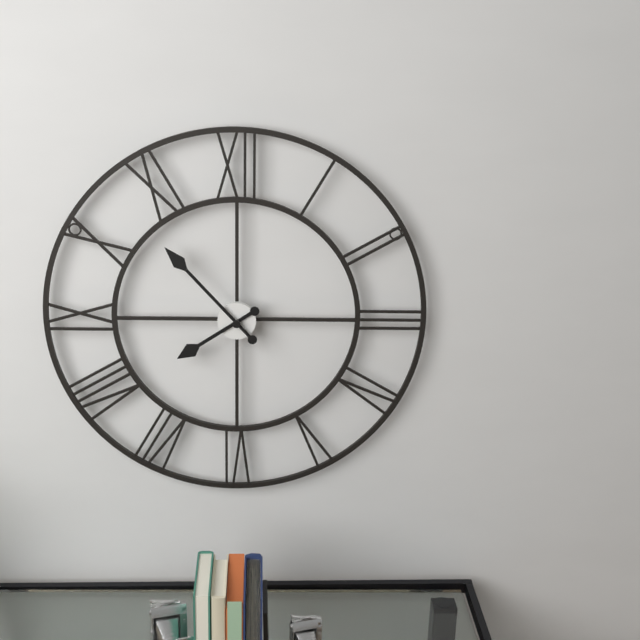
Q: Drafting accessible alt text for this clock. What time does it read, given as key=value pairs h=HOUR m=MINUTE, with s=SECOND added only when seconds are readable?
h=7 m=53
